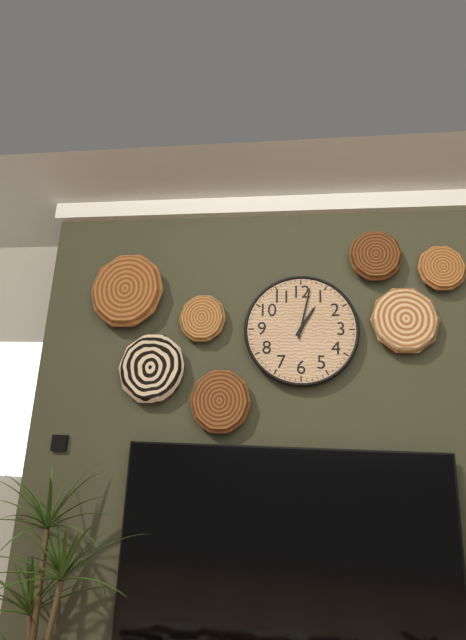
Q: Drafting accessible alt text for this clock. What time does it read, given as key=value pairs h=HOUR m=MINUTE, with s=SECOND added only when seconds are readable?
h=1 m=2
